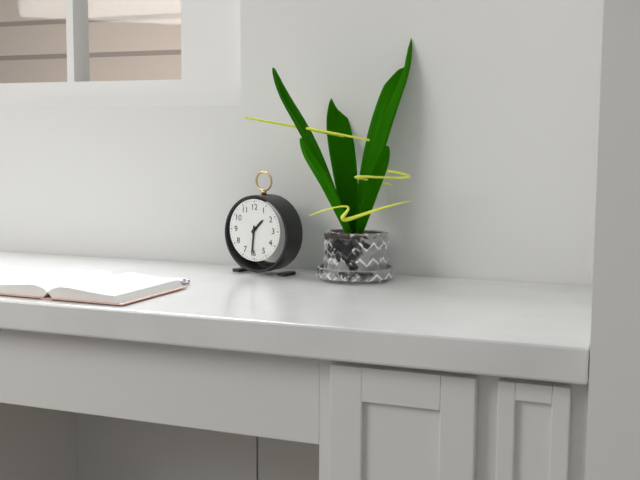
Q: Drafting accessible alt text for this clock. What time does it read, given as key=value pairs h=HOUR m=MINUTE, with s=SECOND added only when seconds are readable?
h=1 m=31
